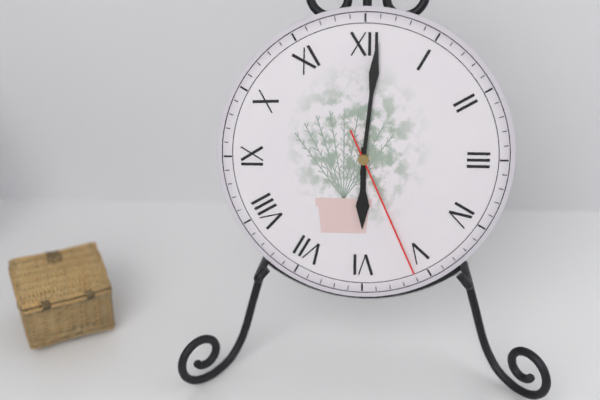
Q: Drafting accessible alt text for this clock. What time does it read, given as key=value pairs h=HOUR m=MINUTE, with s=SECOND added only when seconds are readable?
h=6 m=1 s=26
